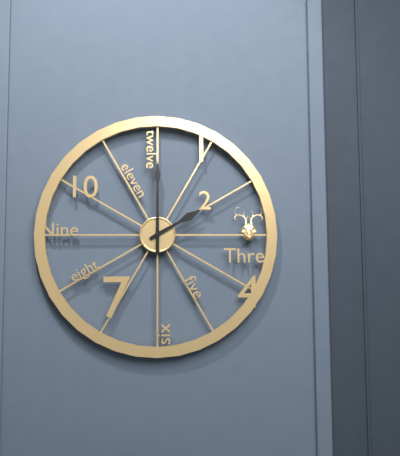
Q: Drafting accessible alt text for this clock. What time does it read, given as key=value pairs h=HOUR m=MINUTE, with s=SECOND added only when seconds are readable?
h=2 m=0
